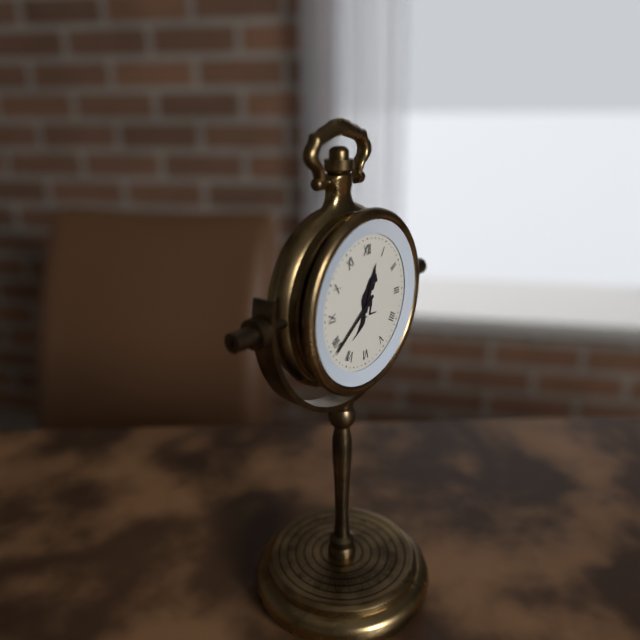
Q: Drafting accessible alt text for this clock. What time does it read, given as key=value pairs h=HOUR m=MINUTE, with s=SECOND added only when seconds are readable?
h=12 m=39
